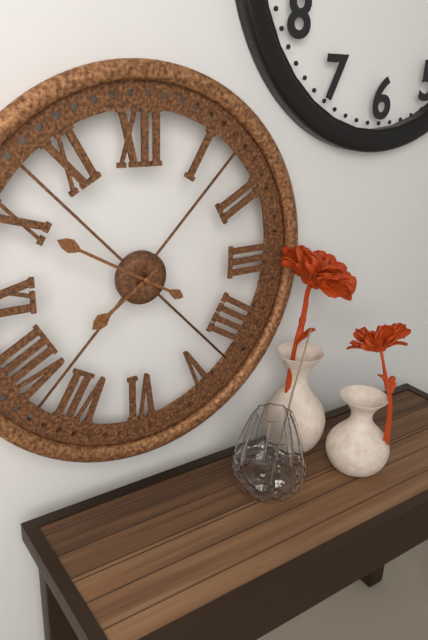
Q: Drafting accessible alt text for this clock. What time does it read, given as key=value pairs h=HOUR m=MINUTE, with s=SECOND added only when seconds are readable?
h=7 m=50
